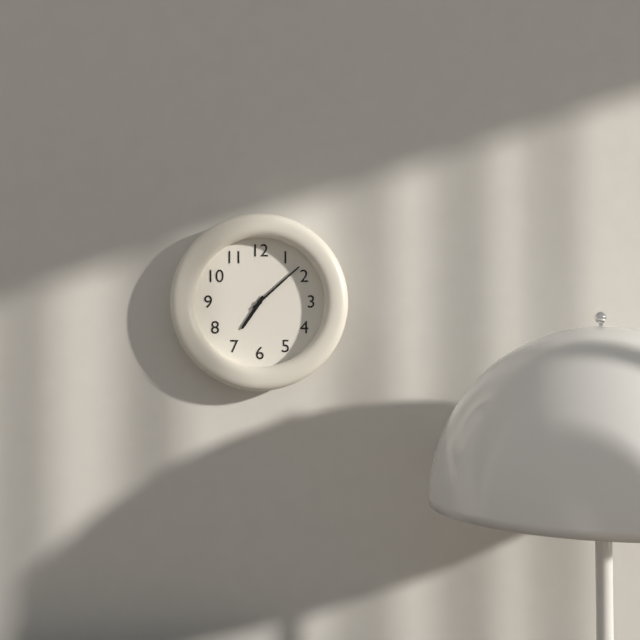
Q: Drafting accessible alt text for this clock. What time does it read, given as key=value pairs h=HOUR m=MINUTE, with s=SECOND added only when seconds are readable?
h=7 m=8
